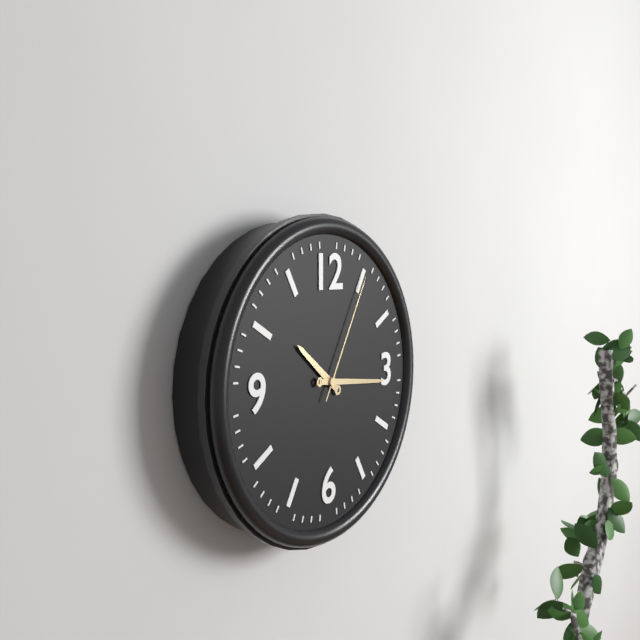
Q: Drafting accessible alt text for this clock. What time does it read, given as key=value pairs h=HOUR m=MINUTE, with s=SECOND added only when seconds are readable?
h=10 m=16 s=5
